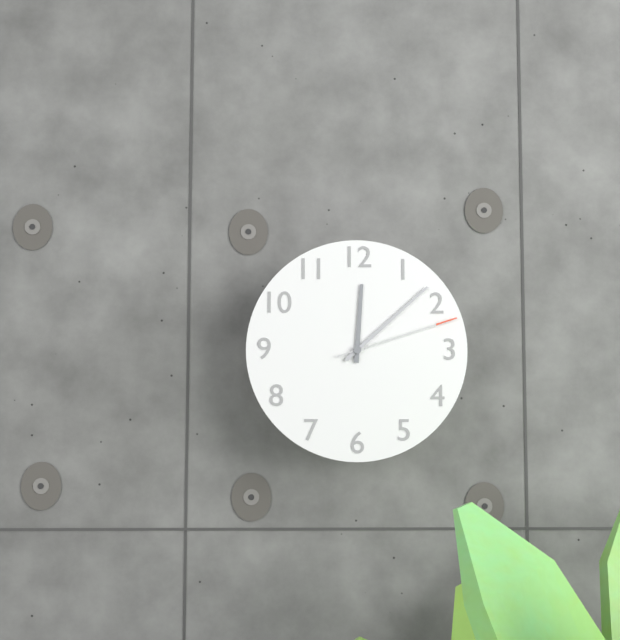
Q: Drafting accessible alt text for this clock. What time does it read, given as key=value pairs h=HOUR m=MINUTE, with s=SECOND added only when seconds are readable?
h=12 m=8 s=12
